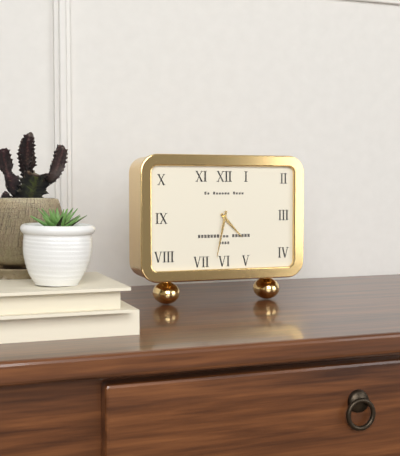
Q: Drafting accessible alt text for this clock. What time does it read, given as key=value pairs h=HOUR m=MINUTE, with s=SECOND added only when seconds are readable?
h=4 m=32
